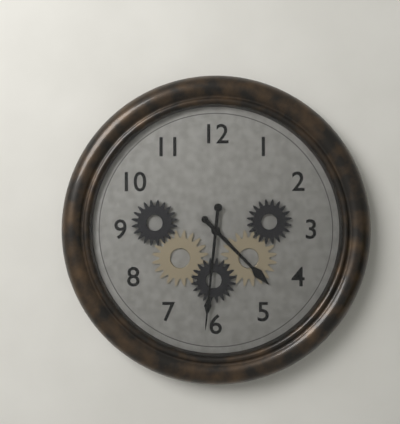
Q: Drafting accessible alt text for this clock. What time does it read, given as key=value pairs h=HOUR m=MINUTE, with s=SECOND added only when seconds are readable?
h=4 m=31
